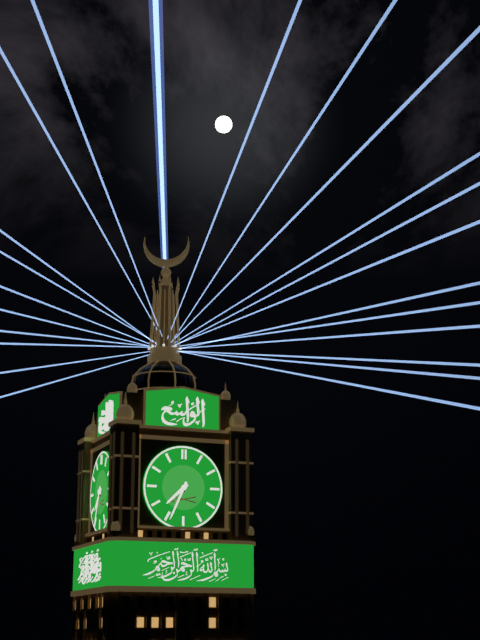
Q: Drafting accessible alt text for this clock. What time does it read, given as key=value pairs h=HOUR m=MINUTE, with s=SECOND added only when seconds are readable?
h=7 m=34
